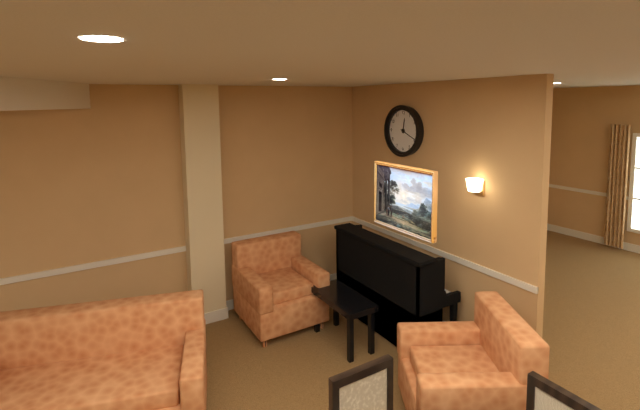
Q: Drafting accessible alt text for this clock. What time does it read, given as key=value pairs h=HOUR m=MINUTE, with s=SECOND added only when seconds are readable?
h=12 m=19
